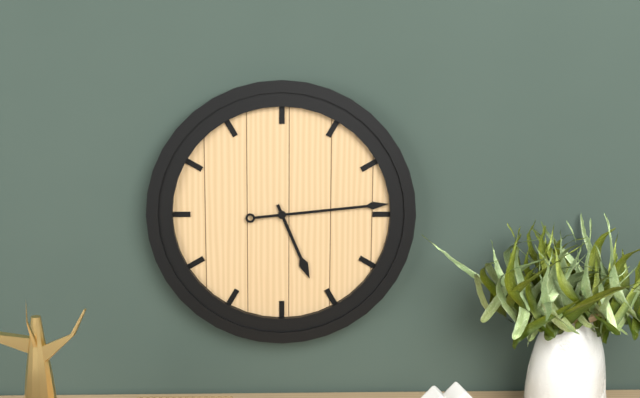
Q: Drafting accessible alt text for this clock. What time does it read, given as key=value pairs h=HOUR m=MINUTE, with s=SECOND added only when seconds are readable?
h=5 m=14
